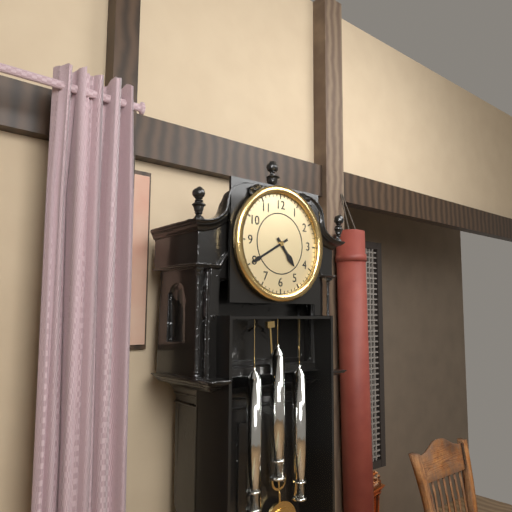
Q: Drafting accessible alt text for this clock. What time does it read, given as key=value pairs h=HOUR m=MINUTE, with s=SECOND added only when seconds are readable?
h=4 m=40
